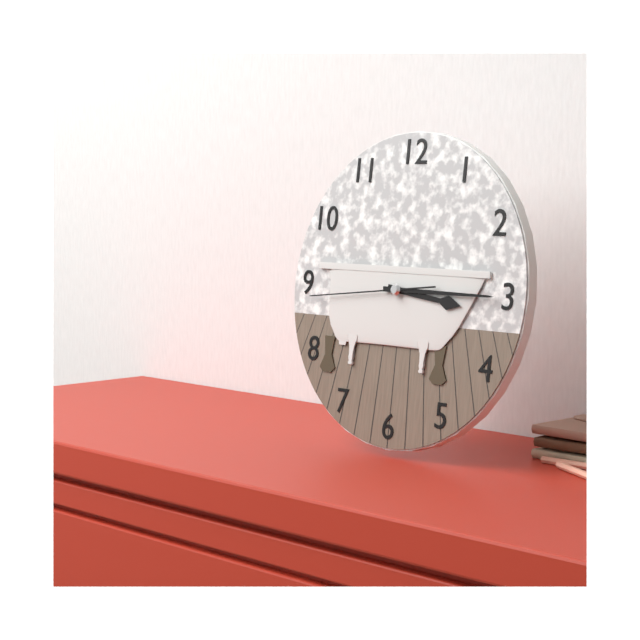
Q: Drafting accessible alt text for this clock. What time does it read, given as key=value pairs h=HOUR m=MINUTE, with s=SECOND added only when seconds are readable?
h=3 m=15 s=44
